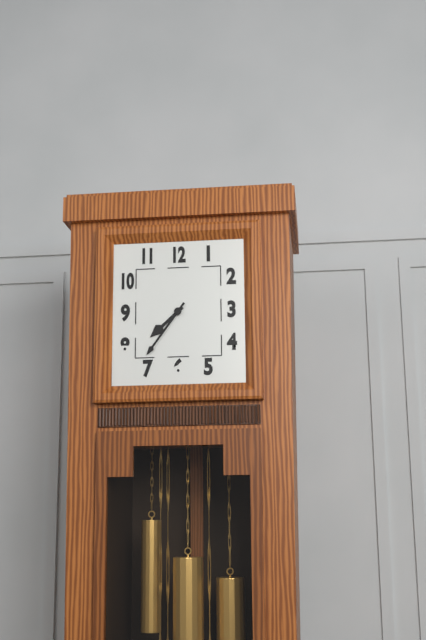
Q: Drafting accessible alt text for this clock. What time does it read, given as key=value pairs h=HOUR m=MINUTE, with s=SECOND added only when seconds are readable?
h=7 m=36
